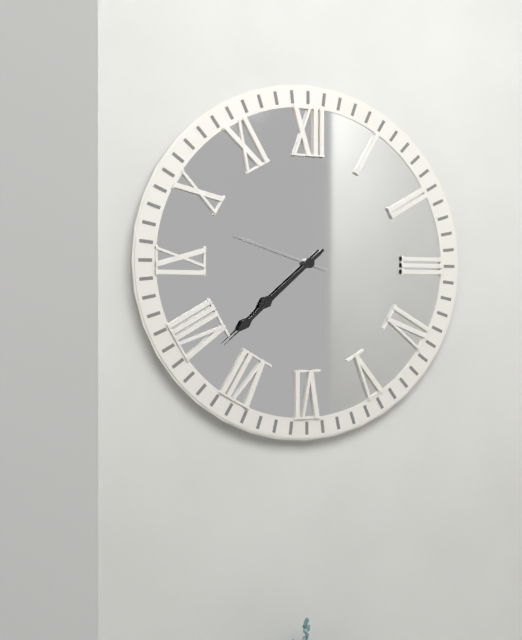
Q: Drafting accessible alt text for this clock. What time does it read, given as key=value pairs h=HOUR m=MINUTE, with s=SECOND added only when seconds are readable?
h=7 m=38 s=48
